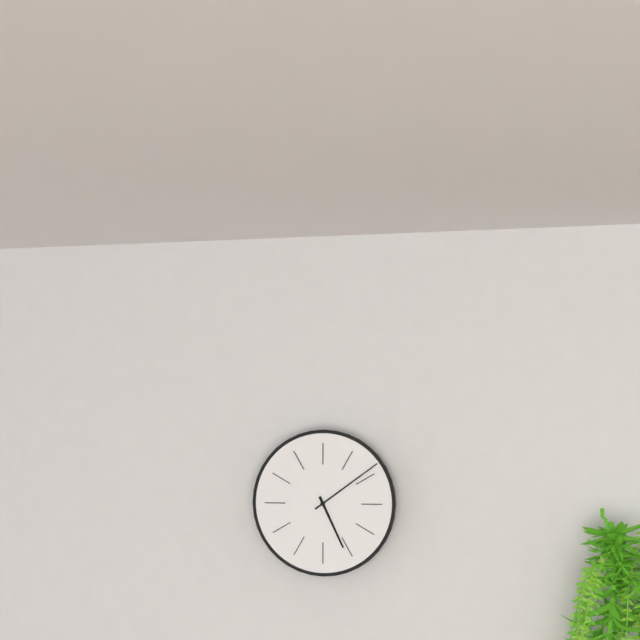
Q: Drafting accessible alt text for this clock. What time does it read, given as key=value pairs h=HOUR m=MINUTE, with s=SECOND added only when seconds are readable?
h=5 m=9
